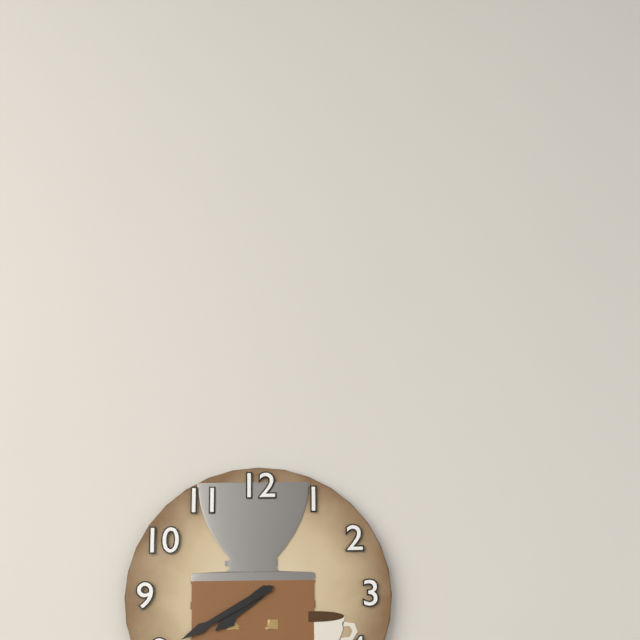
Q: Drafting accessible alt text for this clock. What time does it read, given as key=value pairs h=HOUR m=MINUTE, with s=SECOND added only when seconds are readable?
h=7 m=40
